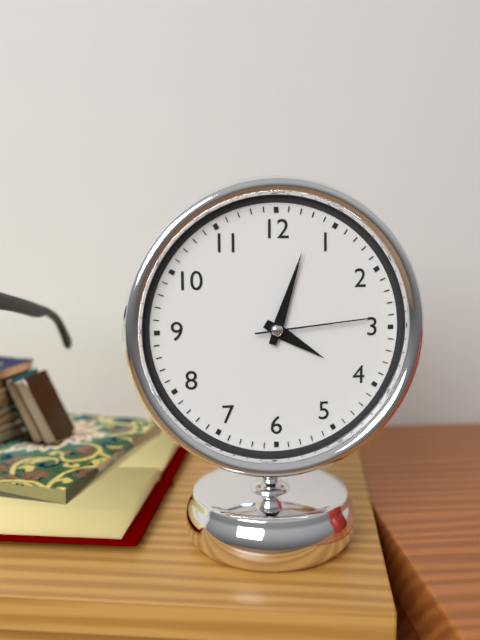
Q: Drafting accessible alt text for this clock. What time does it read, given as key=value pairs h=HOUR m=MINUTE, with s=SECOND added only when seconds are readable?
h=4 m=3 s=14
